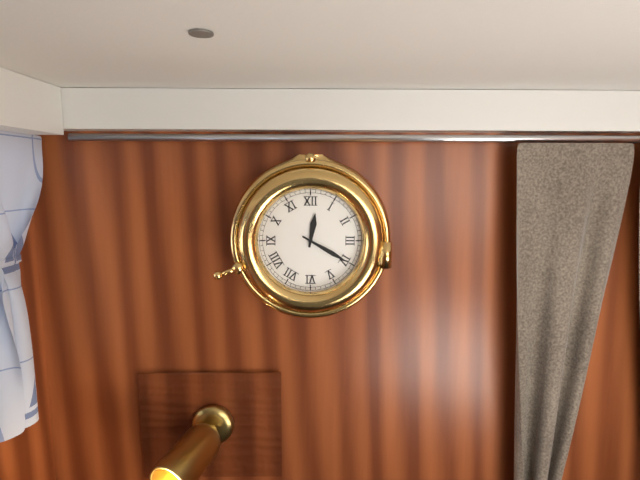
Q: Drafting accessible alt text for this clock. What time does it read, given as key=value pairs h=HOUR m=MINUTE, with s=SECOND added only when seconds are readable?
h=12 m=20
